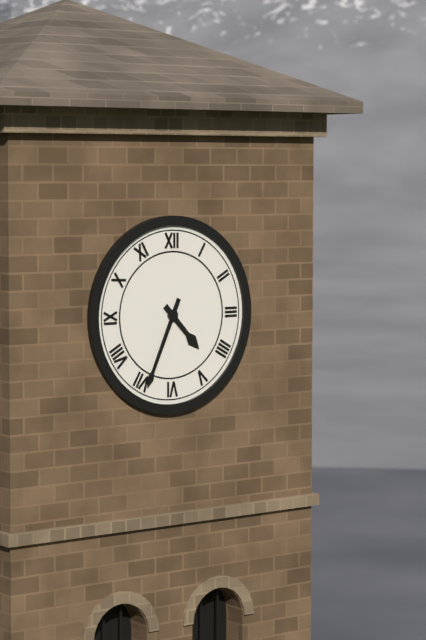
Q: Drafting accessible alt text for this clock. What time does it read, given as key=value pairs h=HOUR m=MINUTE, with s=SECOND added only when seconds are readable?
h=4 m=34
